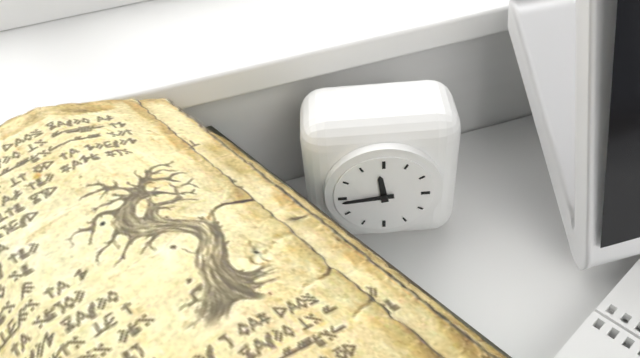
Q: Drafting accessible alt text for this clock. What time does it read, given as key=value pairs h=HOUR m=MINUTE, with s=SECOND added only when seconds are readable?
h=11 m=44
